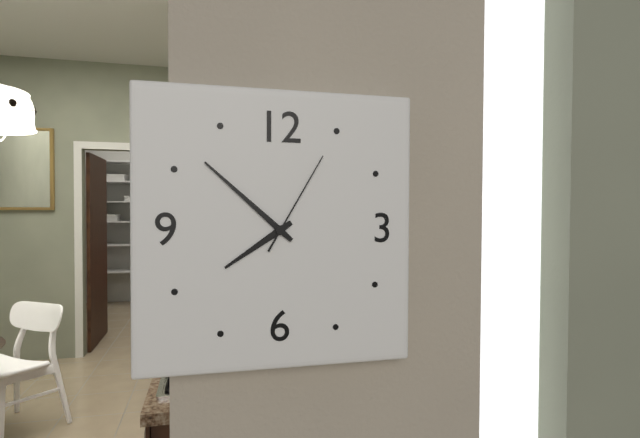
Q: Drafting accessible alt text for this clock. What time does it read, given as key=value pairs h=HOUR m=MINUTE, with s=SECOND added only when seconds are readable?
h=7 m=52 s=5
